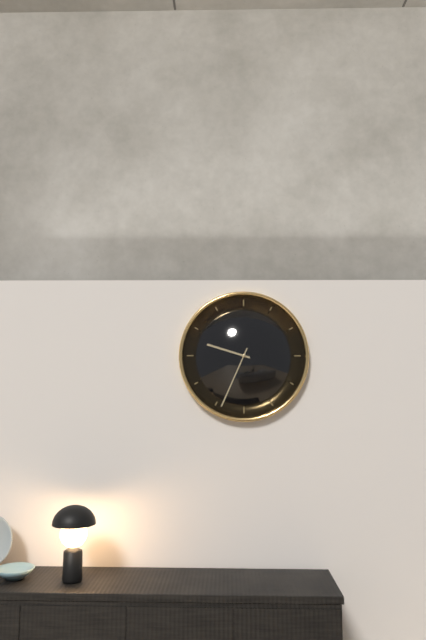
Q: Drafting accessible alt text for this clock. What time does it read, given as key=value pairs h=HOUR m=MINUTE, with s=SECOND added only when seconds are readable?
h=9 m=34
